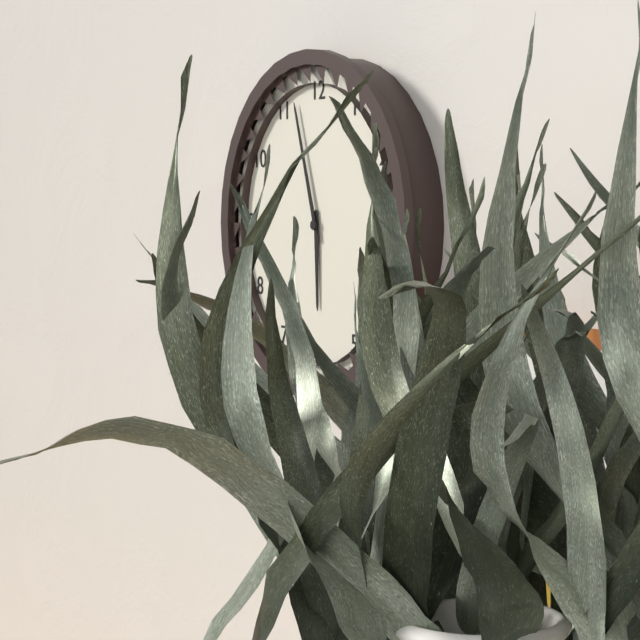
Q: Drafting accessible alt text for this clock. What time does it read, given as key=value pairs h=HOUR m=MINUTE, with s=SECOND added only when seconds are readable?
h=5 m=57
